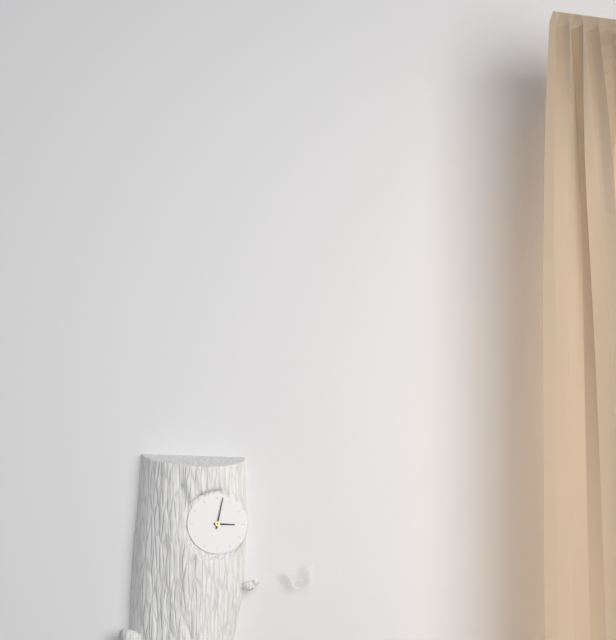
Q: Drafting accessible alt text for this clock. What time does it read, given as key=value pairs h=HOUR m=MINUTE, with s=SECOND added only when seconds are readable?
h=3 m=2
